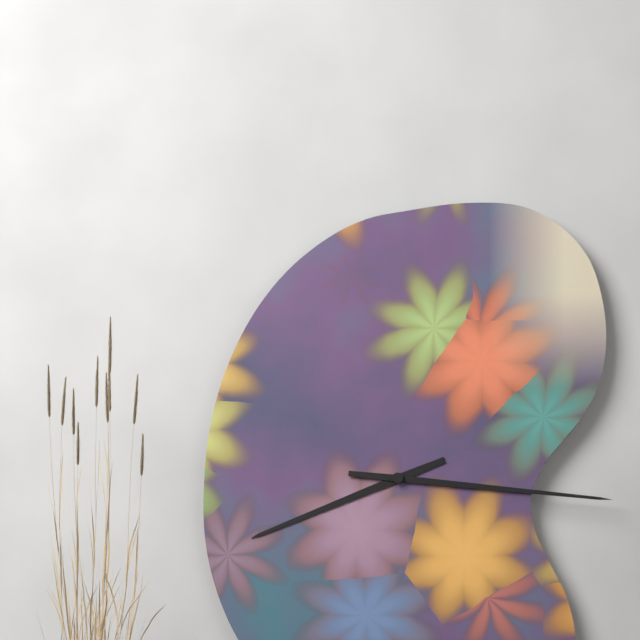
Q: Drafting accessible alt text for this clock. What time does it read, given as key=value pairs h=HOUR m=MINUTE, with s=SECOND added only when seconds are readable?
h=8 m=16
